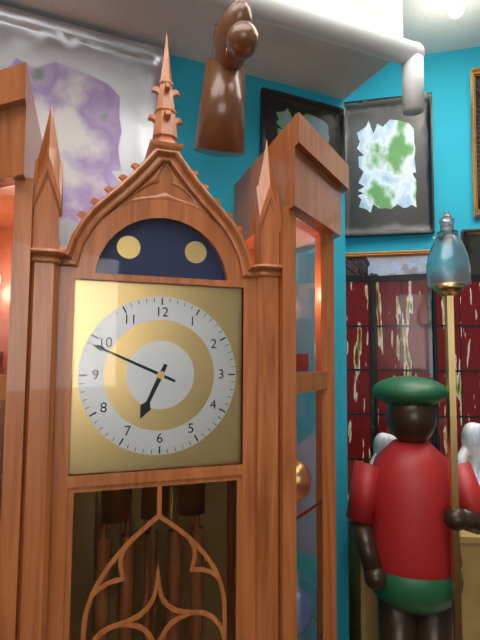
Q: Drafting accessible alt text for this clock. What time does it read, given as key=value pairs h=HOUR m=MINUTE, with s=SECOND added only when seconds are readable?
h=6 m=49
